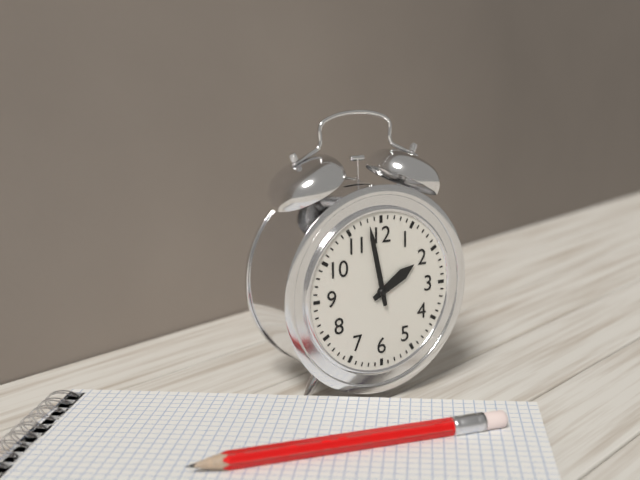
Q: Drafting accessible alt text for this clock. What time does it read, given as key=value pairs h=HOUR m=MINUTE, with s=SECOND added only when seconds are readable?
h=1 m=58
